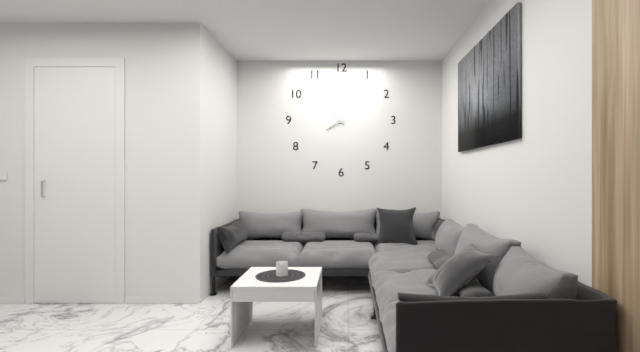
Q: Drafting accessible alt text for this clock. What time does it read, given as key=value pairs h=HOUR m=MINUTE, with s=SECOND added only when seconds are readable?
h=7 m=53
